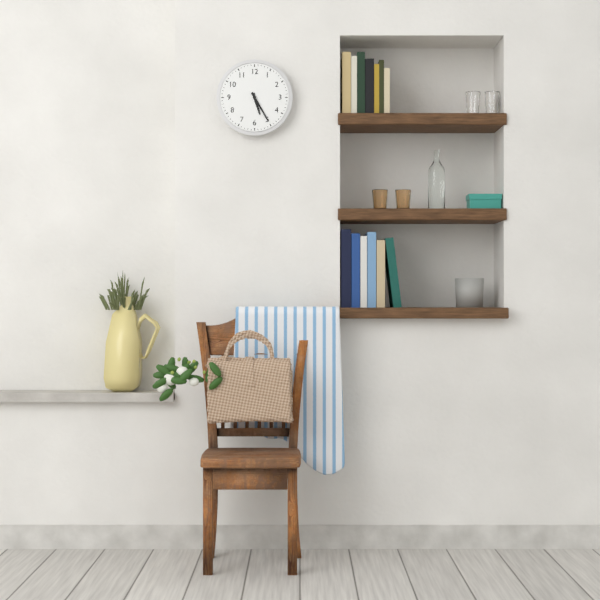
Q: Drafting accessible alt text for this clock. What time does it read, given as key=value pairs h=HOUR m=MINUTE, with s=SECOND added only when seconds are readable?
h=5 m=25
